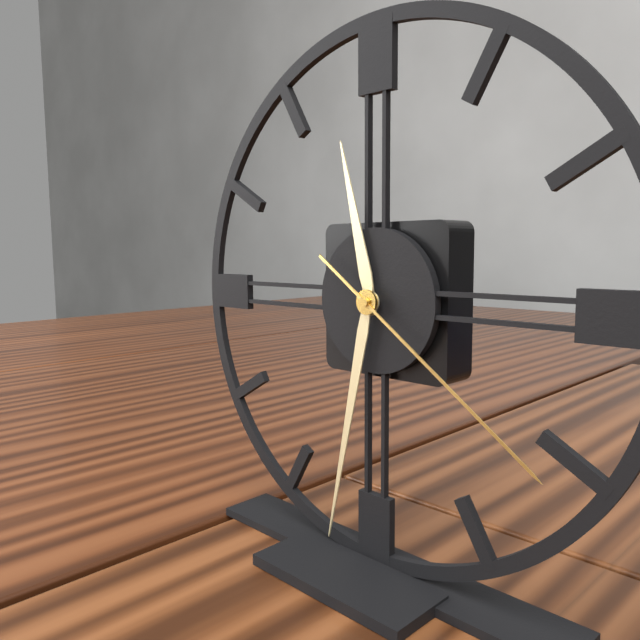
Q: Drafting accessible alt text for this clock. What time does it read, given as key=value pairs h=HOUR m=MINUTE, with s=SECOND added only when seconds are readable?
h=11 m=32 s=21
